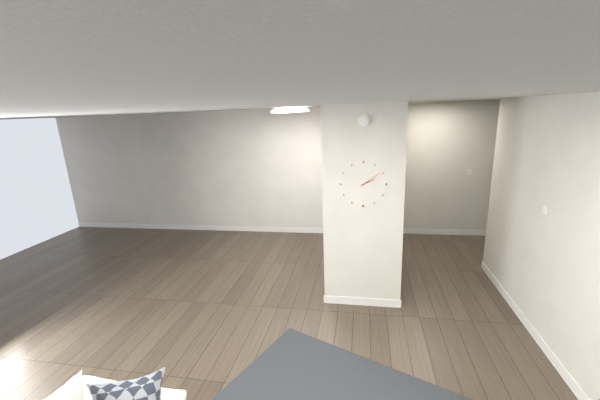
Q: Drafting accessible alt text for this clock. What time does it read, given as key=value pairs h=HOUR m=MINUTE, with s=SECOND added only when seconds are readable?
h=2 m=9
